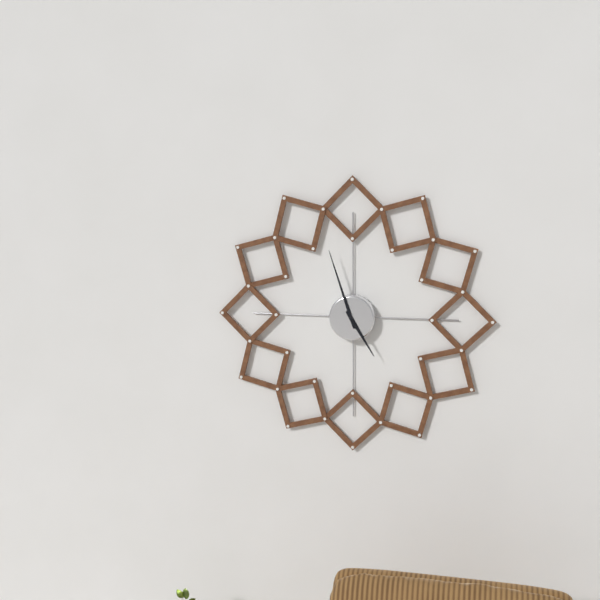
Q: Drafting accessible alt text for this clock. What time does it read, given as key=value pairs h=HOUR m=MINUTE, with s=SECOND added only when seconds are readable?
h=4 m=57
